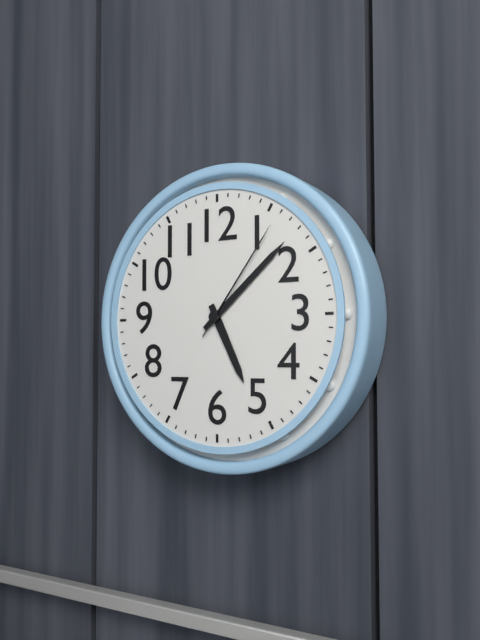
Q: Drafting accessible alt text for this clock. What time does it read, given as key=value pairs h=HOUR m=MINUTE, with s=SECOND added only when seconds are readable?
h=5 m=8 s=6
